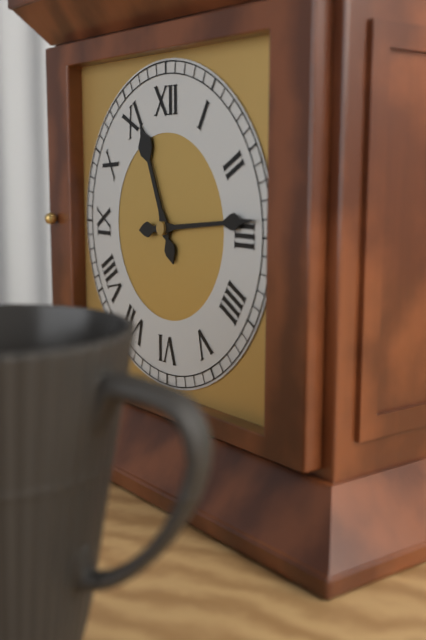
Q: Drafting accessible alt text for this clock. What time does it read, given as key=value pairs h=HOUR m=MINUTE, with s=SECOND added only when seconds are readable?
h=11 m=14
